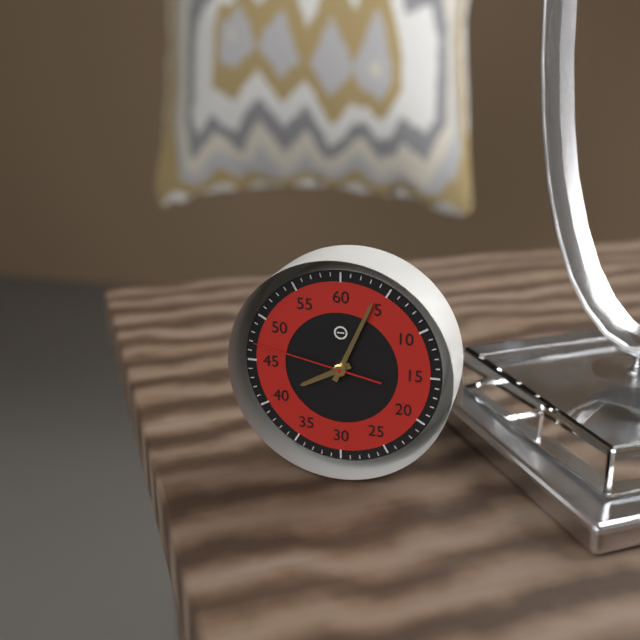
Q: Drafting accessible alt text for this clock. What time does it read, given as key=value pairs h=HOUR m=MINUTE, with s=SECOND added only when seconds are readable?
h=8 m=4 s=47
